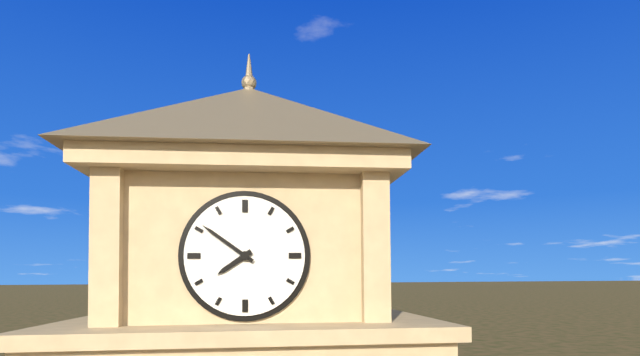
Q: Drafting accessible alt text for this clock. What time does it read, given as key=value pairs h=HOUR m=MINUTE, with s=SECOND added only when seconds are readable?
h=7 m=51
